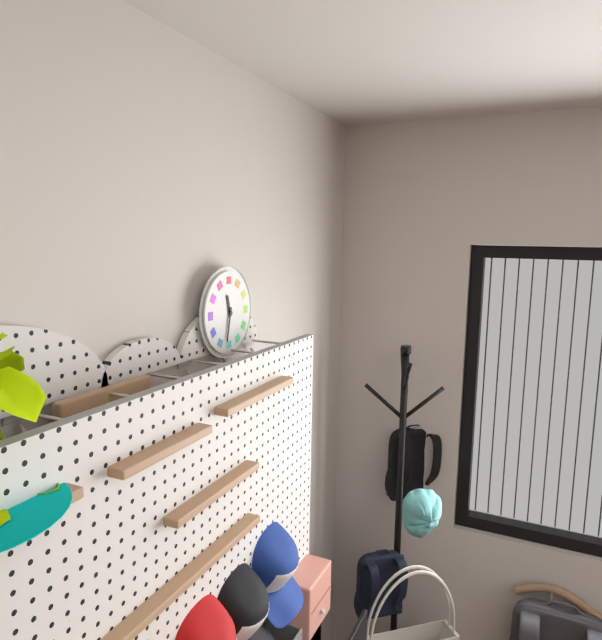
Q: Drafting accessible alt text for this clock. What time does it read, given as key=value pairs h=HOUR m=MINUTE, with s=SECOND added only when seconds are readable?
h=11 m=32
